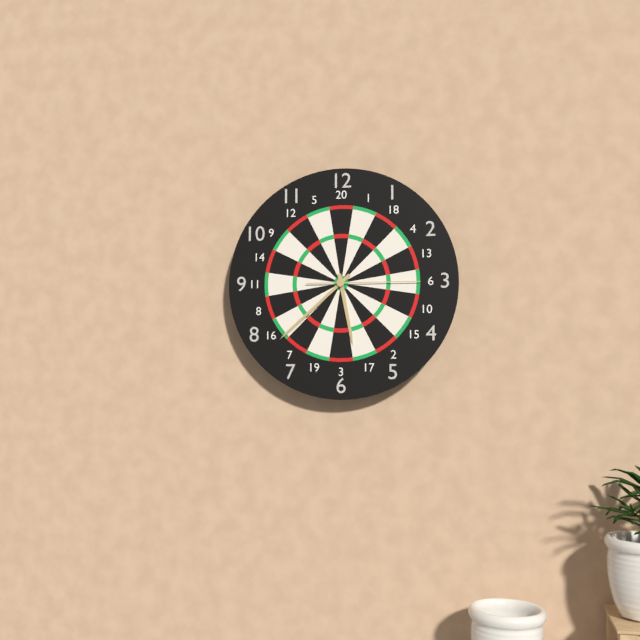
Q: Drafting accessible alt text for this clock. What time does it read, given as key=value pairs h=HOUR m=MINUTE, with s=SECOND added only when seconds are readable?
h=5 m=38 s=15
